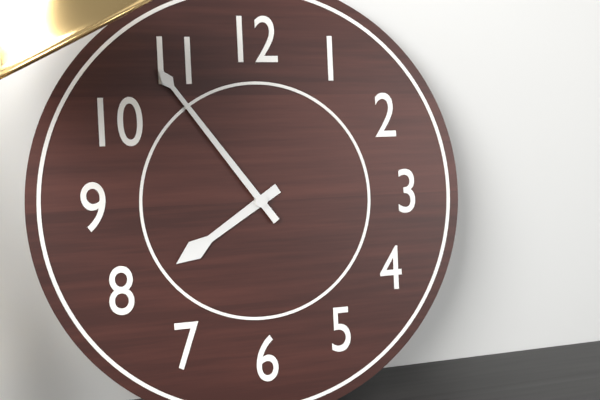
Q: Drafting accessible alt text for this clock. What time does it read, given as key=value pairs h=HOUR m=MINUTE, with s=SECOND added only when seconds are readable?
h=7 m=54
